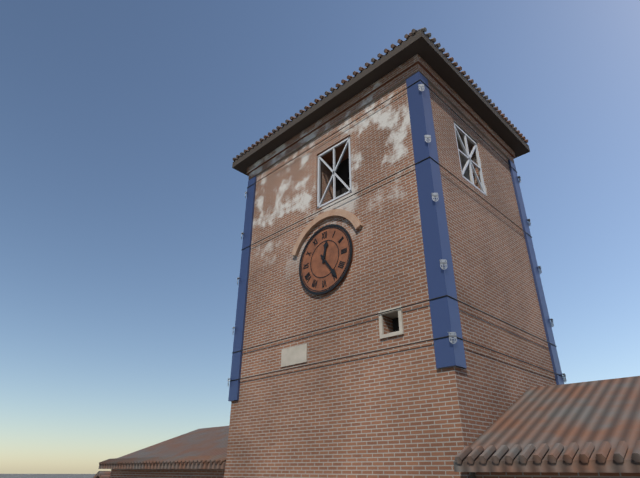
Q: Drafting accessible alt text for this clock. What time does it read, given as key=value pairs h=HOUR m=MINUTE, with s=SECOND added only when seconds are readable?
h=12 m=24
